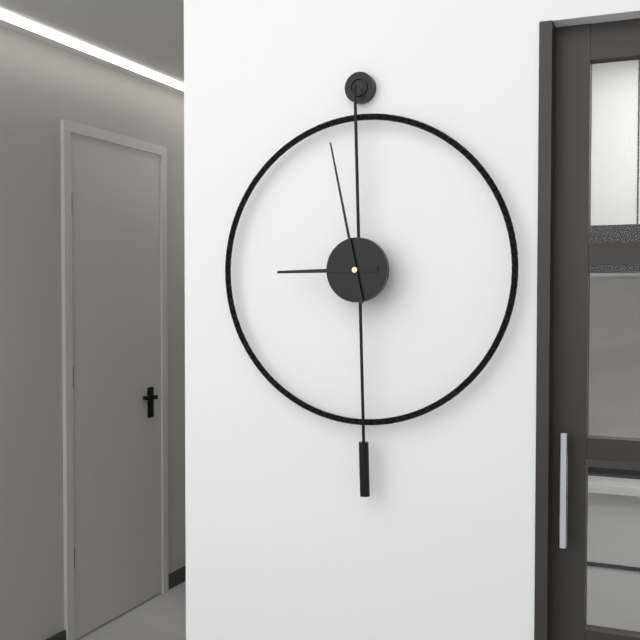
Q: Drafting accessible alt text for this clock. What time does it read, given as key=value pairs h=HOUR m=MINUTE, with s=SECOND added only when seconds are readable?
h=8 m=58
